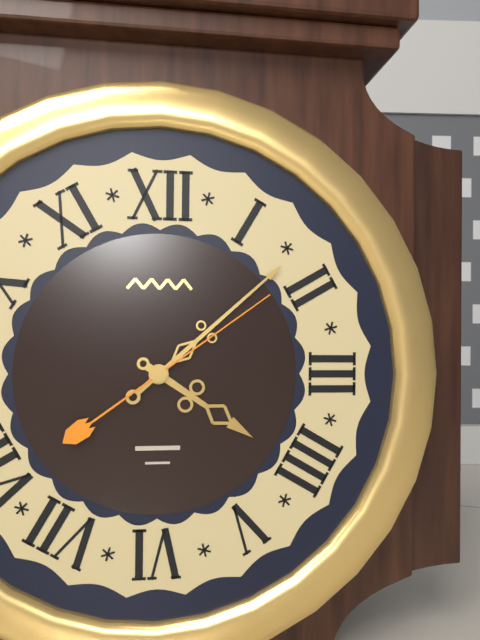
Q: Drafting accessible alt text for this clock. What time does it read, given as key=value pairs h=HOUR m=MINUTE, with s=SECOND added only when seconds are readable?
h=4 m=8 s=9
